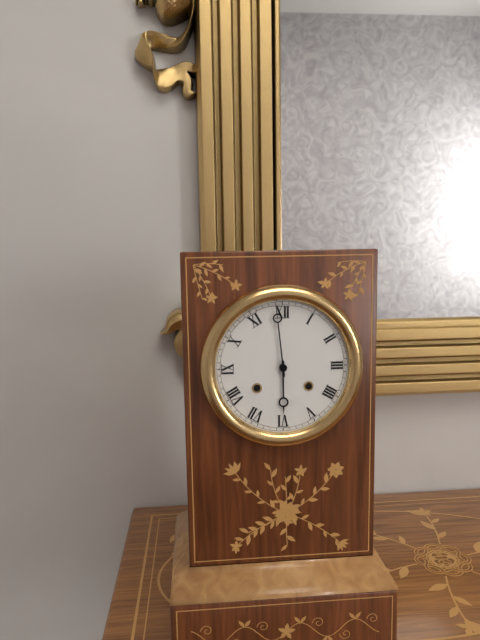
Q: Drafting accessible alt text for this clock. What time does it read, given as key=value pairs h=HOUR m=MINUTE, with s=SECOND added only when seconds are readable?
h=5 m=59
